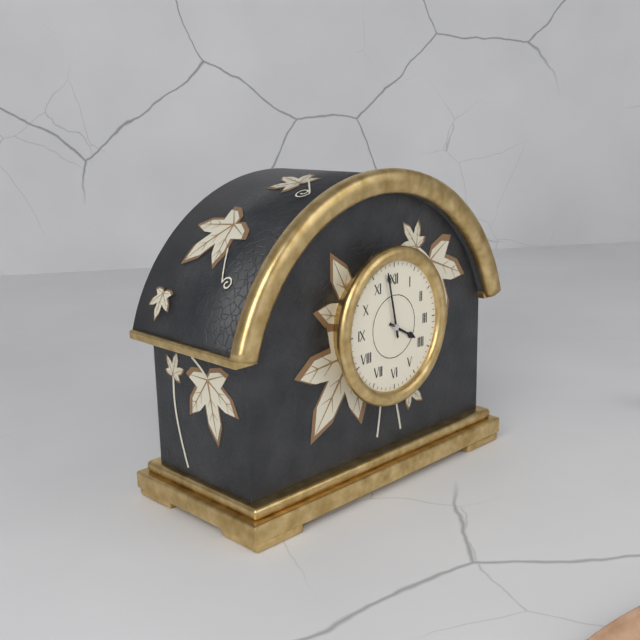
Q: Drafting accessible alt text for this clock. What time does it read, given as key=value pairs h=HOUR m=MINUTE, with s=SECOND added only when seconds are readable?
h=3 m=58
